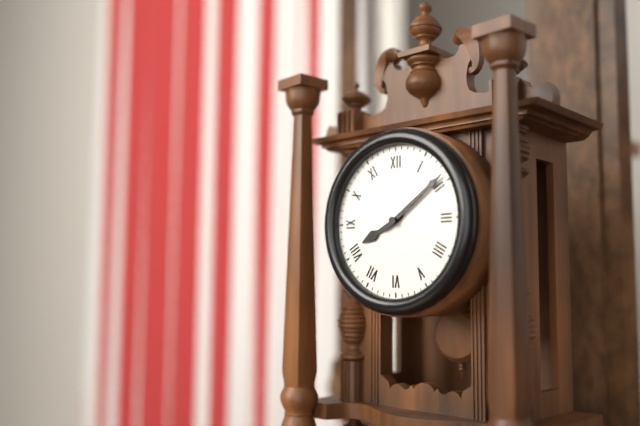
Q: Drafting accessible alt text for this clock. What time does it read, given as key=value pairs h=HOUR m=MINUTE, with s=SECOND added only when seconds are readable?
h=8 m=9
